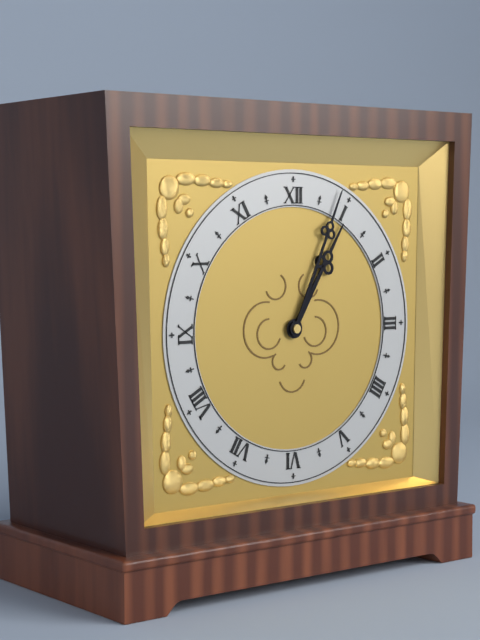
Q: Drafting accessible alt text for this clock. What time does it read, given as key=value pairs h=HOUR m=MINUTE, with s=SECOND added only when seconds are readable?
h=1 m=4
